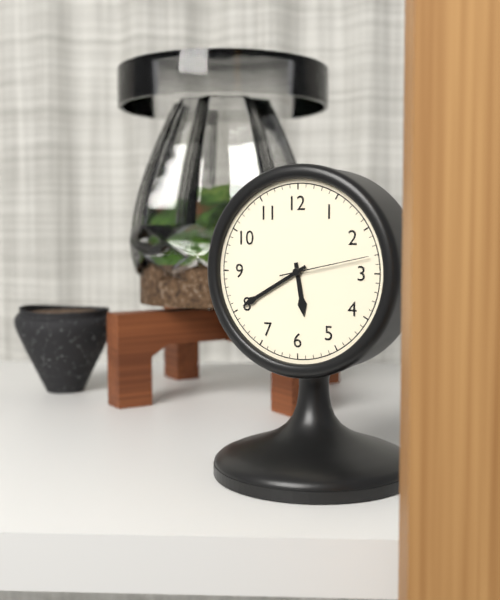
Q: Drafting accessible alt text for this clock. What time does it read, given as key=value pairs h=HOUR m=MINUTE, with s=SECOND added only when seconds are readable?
h=5 m=40 s=13
